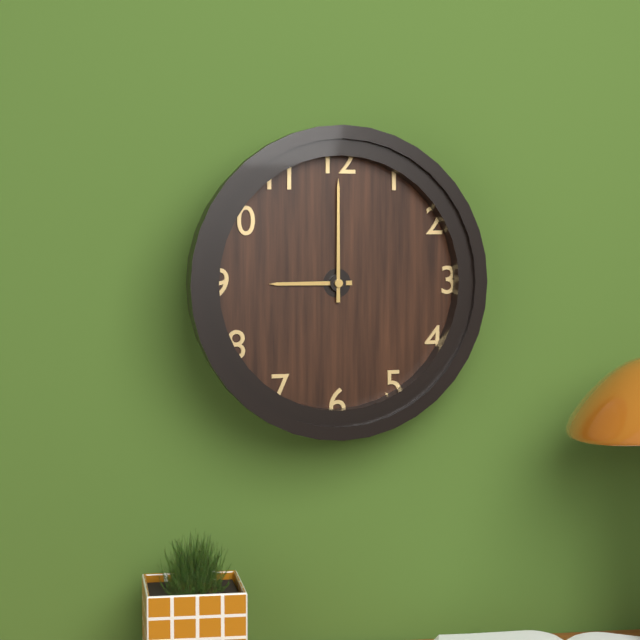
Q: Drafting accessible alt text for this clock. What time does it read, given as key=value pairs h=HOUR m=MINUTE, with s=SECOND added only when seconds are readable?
h=9 m=0
